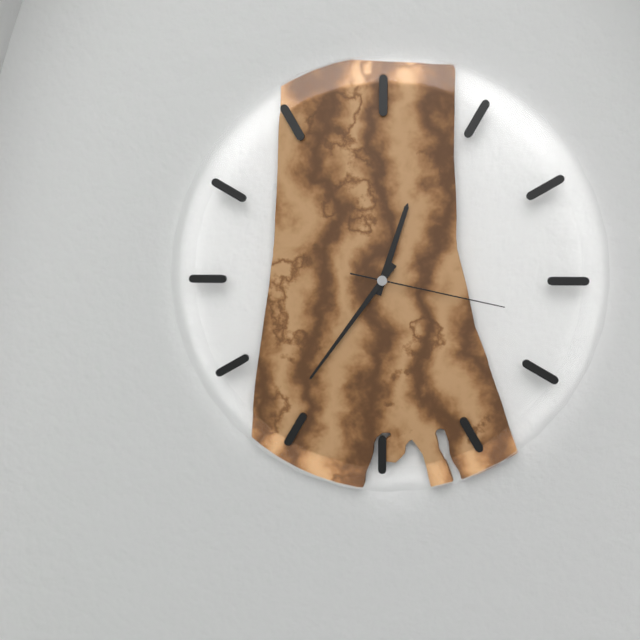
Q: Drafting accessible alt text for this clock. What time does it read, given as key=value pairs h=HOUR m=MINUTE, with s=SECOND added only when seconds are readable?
h=12 m=36 s=17
